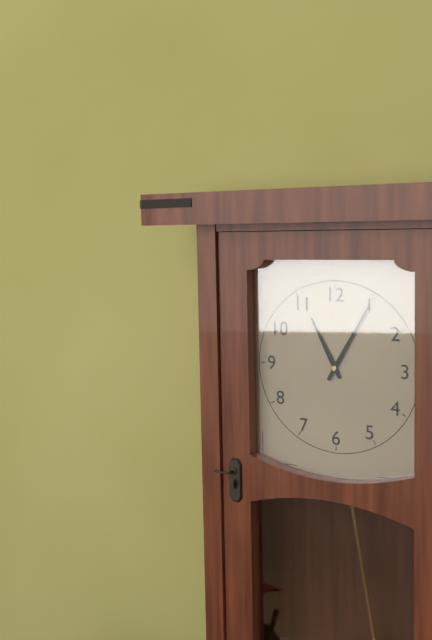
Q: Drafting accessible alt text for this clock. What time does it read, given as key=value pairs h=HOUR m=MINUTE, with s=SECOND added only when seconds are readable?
h=11 m=5
